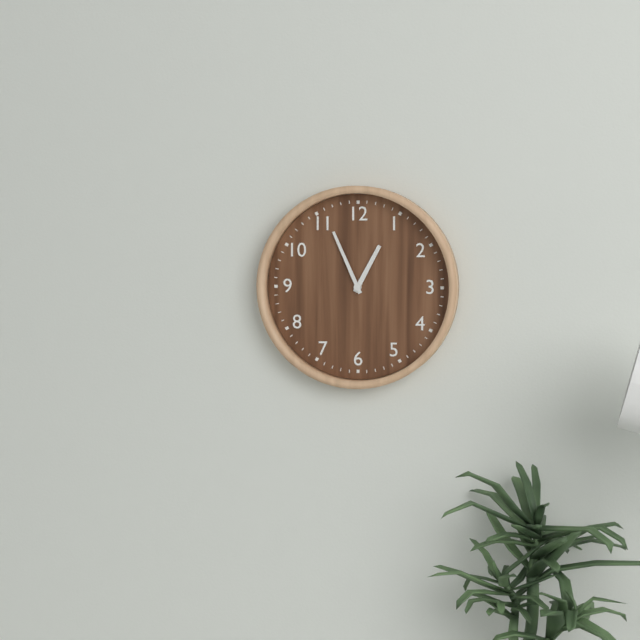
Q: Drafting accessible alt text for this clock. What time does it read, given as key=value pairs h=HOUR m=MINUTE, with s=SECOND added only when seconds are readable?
h=12 m=56
